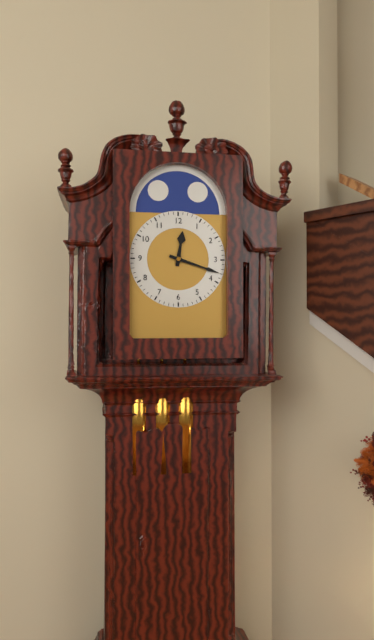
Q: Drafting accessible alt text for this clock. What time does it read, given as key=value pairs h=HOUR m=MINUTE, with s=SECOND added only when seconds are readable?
h=12 m=18
